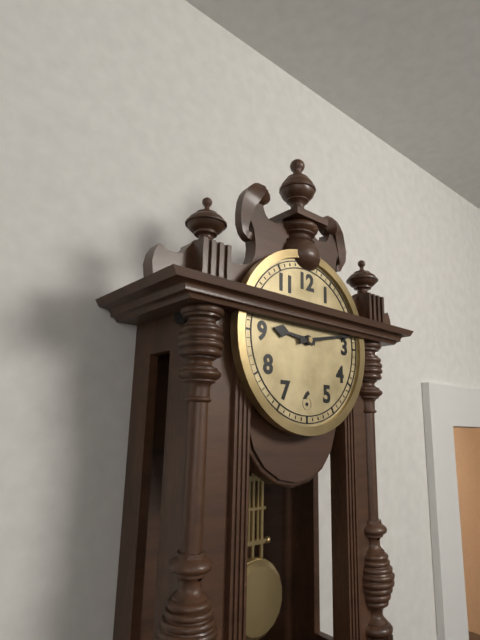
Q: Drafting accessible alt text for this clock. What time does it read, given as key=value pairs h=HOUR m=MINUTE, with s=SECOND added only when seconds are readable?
h=9 m=13
